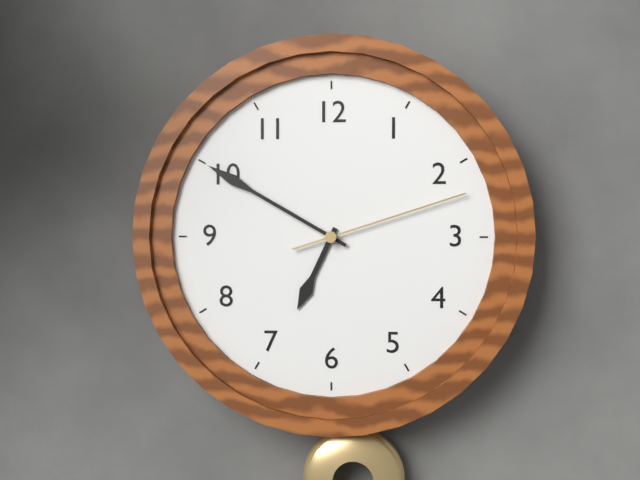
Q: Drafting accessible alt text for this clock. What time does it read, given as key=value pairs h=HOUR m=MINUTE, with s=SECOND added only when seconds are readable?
h=6 m=50 s=12
